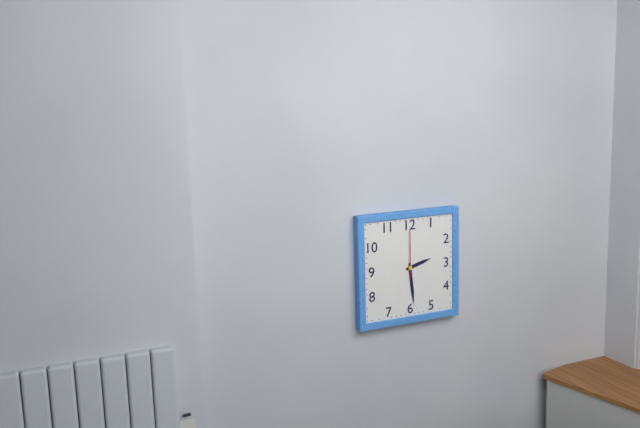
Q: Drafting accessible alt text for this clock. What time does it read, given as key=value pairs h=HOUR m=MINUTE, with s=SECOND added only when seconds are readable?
h=2 m=29
